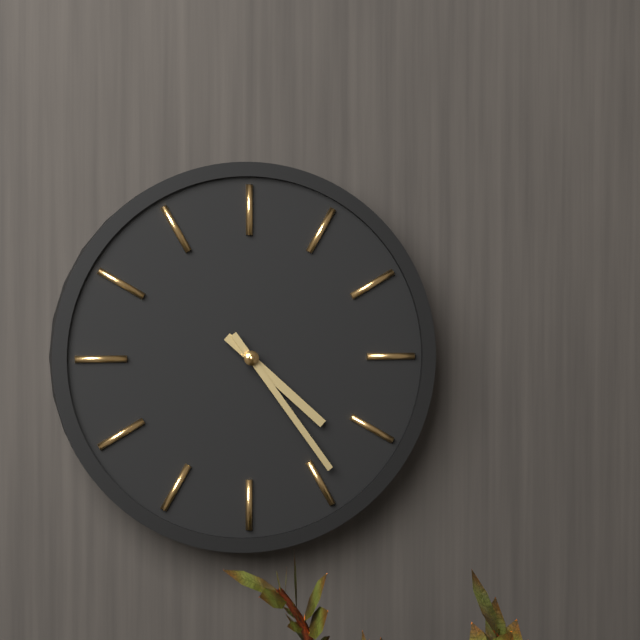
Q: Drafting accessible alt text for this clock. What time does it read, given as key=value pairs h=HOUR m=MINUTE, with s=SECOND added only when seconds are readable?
h=4 m=24
